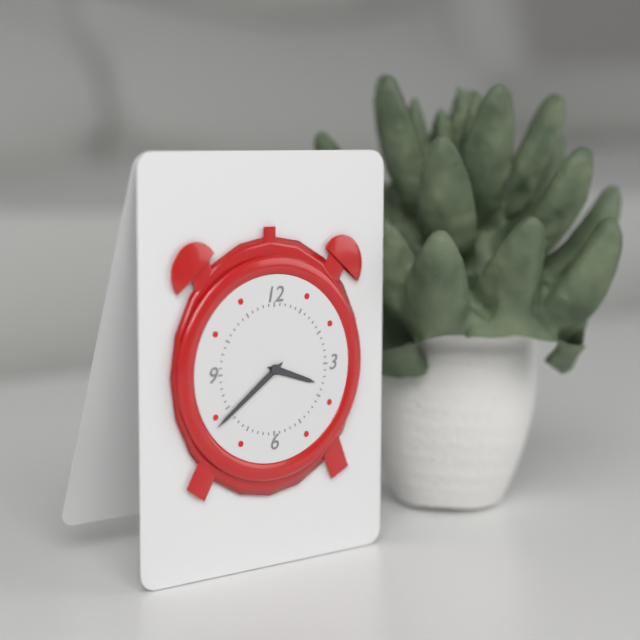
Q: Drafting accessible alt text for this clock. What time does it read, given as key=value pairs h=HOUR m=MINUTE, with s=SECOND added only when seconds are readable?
h=3 m=39
